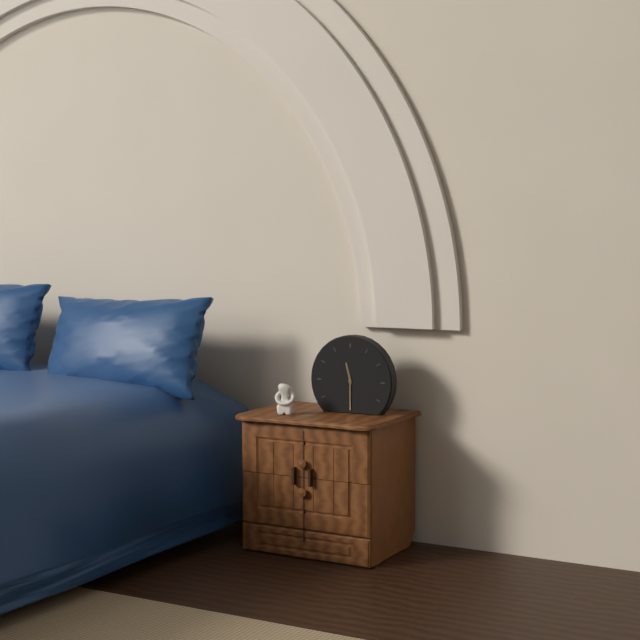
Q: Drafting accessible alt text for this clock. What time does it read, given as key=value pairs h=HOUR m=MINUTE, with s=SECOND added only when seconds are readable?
h=11 m=30
